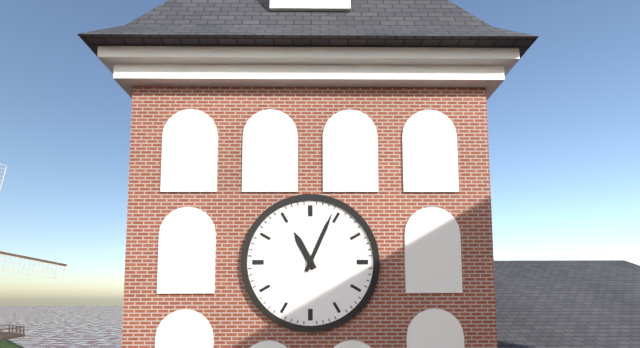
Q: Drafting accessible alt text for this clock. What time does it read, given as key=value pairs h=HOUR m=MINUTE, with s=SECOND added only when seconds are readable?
h=11 m=4
